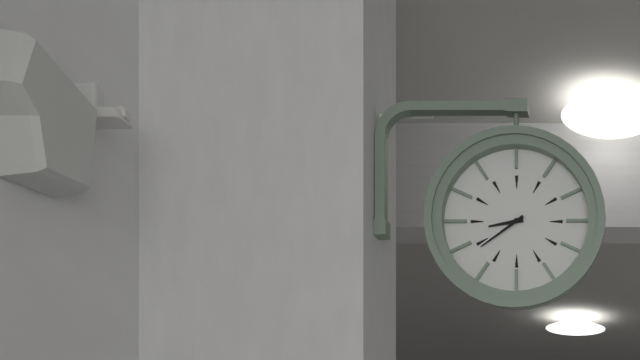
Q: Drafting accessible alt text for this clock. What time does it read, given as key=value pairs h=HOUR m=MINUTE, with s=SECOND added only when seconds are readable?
h=8 m=39
